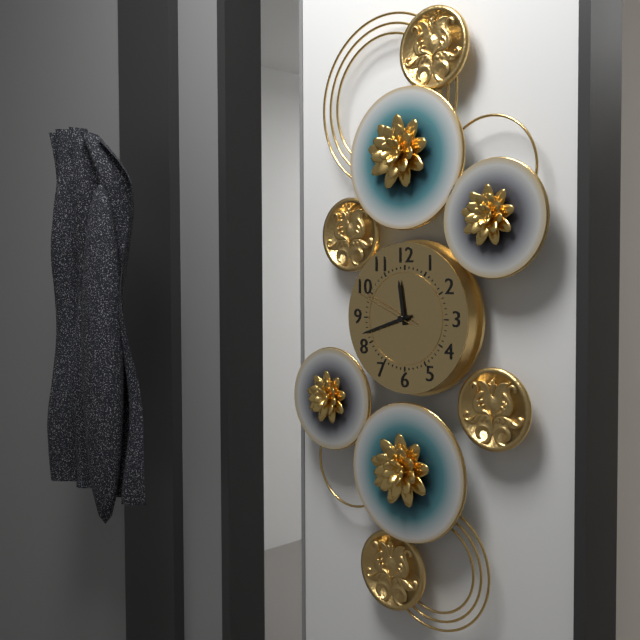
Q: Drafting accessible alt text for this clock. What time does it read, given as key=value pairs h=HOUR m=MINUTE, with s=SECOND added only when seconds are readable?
h=11 m=42 s=49
